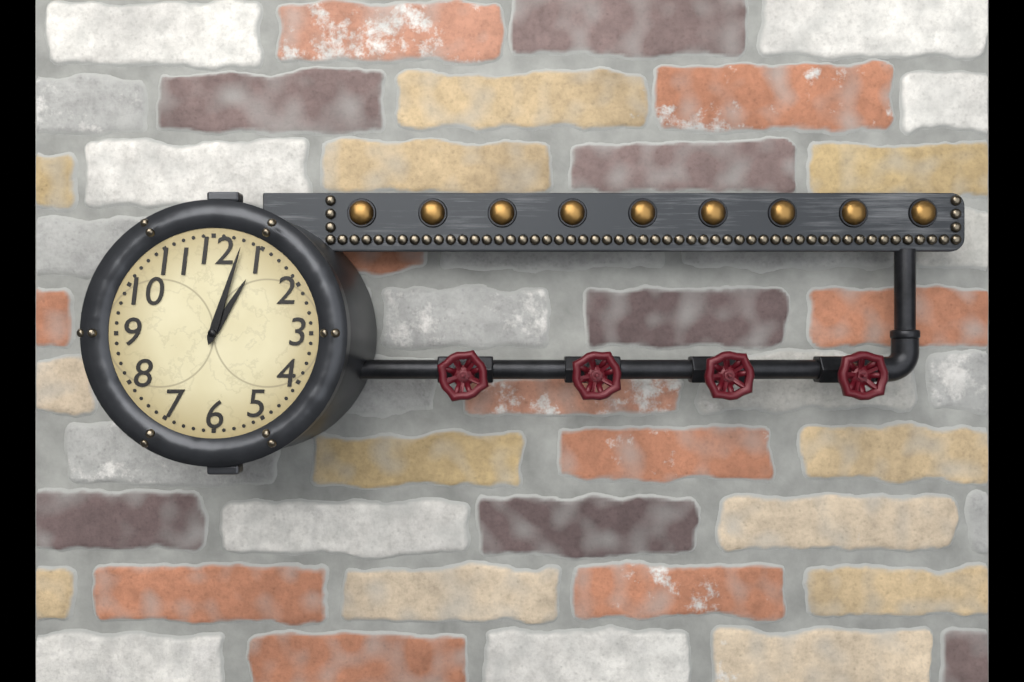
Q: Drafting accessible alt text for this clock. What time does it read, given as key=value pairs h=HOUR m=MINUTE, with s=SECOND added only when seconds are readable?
h=1 m=3
